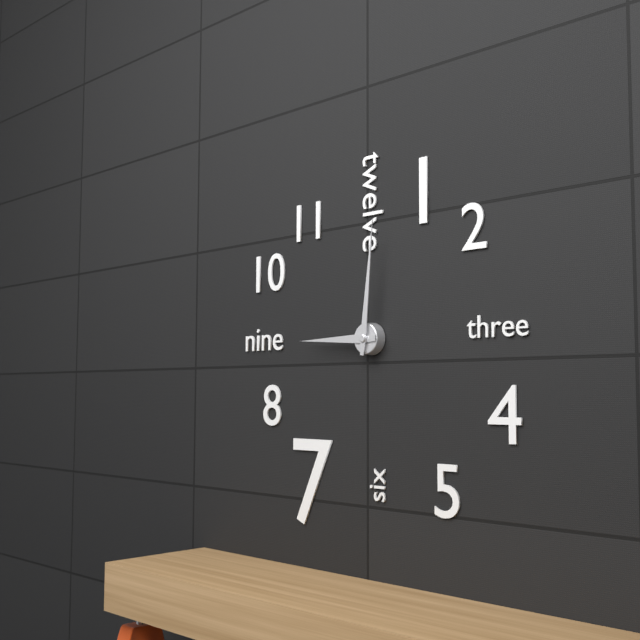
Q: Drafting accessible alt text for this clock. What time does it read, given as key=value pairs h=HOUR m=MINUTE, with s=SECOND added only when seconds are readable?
h=9 m=1
